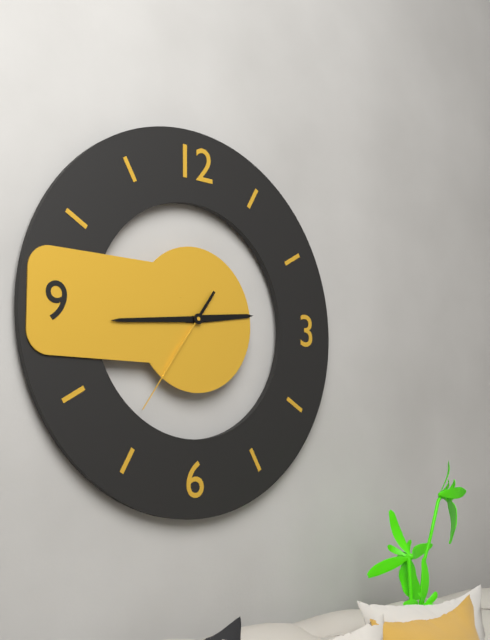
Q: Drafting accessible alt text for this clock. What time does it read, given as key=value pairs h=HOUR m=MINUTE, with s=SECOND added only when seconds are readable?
h=2 m=44 s=36
